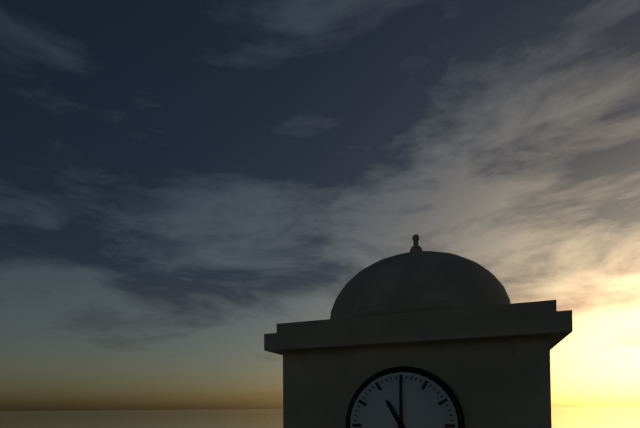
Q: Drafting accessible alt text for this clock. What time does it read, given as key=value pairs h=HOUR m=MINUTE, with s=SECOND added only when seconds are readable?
h=11 m=0
